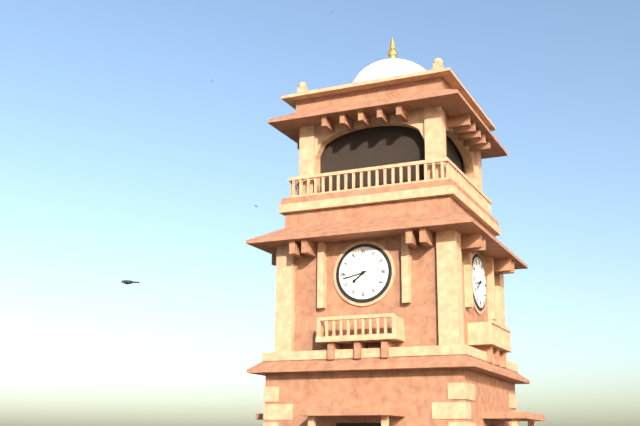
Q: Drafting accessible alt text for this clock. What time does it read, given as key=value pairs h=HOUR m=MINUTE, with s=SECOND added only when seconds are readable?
h=7 m=43
